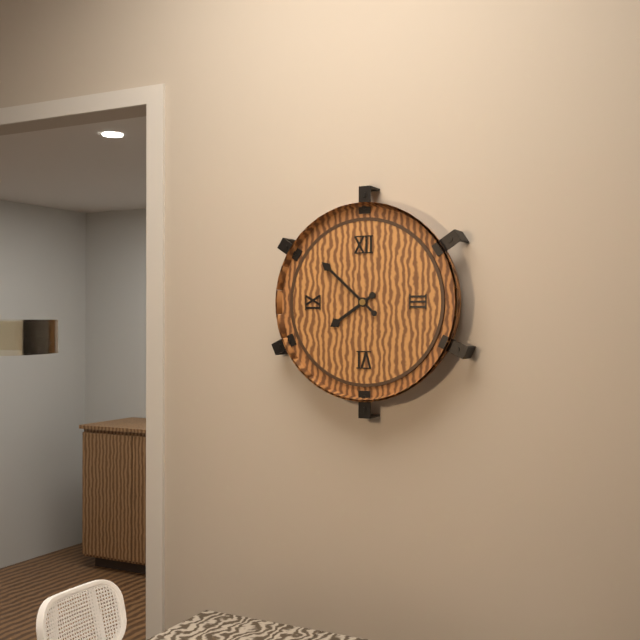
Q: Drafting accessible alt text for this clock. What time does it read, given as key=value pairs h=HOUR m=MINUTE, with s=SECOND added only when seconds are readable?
h=7 m=52
